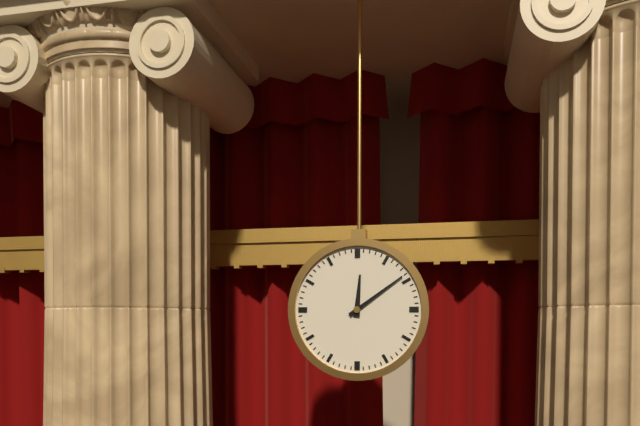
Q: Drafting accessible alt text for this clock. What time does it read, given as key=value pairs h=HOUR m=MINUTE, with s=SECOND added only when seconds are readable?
h=12 m=9
